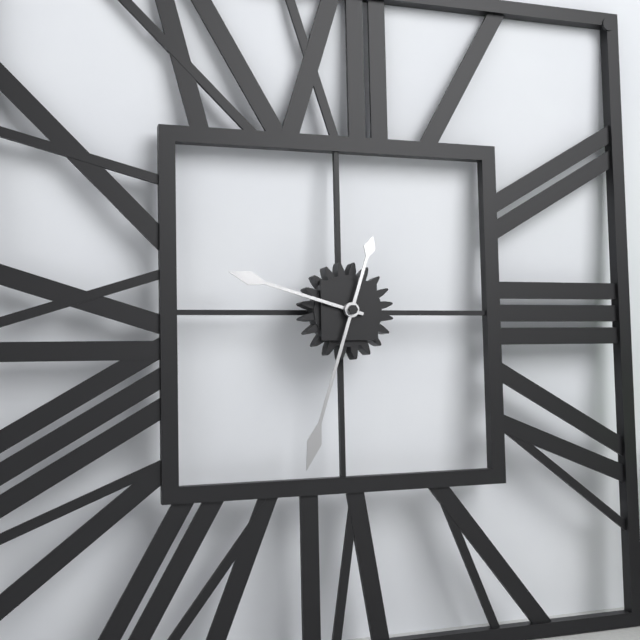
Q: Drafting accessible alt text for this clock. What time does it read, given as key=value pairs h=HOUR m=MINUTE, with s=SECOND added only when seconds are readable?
h=9 m=33
